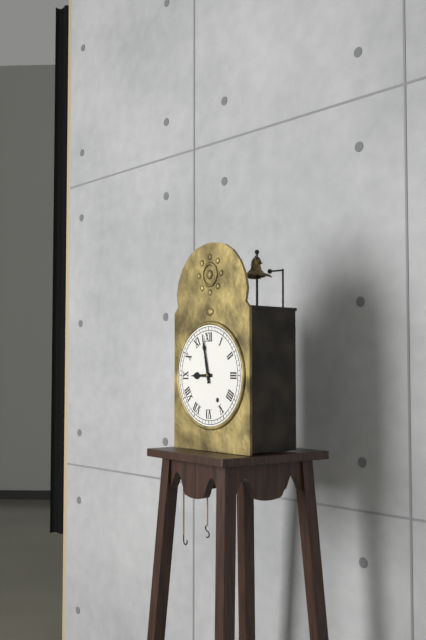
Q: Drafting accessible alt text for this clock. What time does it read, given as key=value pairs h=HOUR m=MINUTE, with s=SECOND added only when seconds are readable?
h=8 m=58
